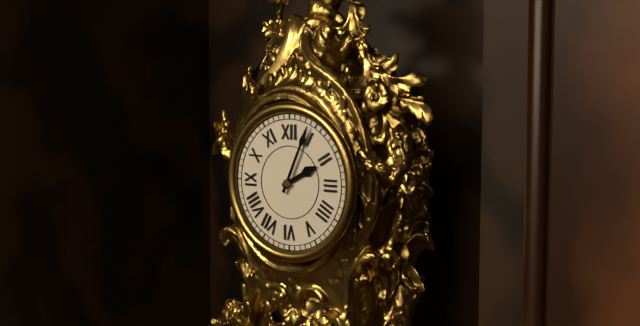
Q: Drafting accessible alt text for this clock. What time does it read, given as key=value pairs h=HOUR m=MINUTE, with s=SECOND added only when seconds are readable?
h=2 m=4
